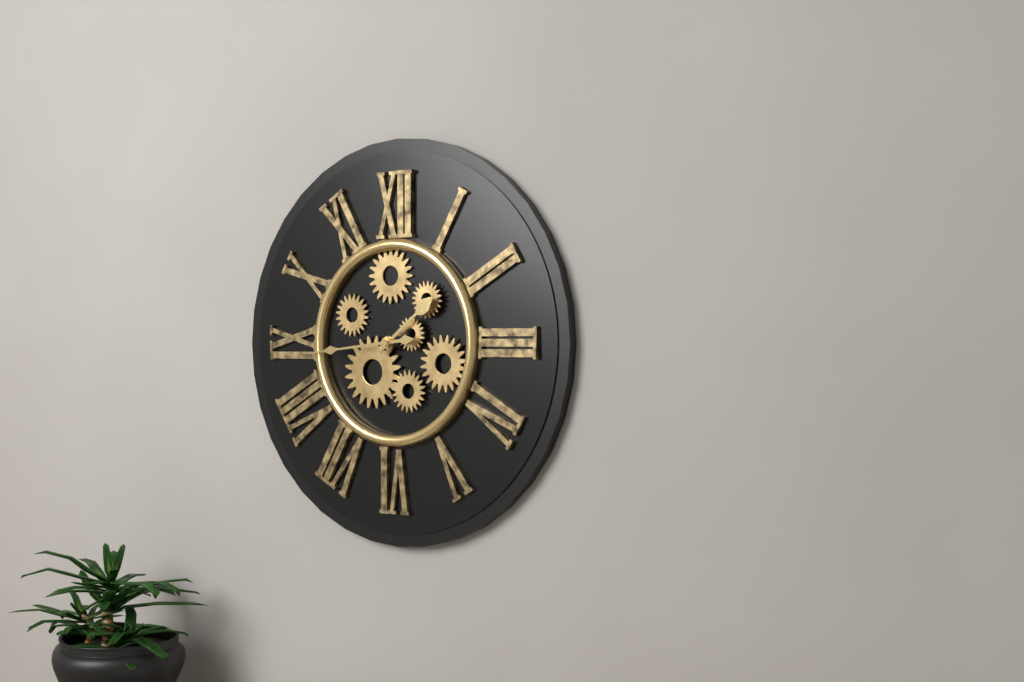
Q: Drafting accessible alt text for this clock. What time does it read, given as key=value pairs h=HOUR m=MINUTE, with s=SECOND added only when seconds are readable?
h=1 m=44
